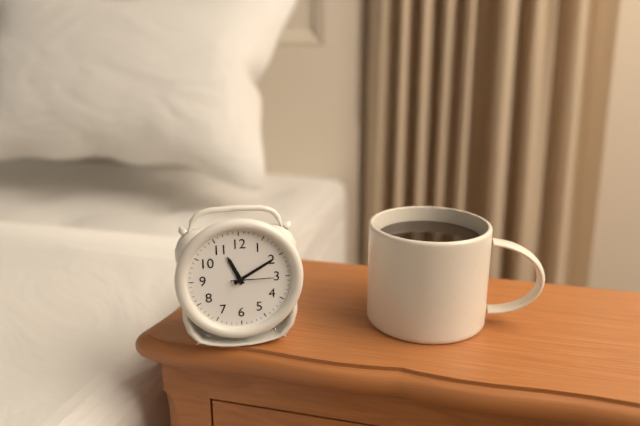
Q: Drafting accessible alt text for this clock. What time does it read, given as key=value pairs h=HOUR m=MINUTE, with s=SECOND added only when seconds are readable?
h=11 m=10
